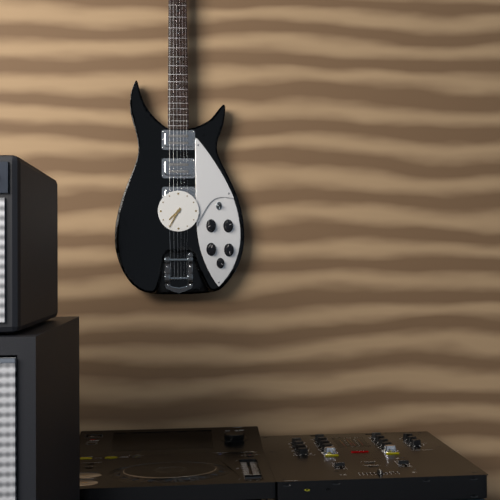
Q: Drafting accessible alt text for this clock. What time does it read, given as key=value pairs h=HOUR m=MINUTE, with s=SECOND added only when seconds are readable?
h=7 m=35
